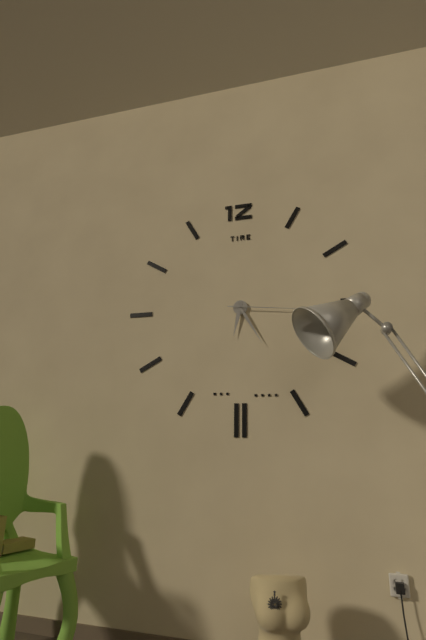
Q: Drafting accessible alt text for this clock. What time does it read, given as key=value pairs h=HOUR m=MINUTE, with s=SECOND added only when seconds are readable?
h=6 m=25 s=16
